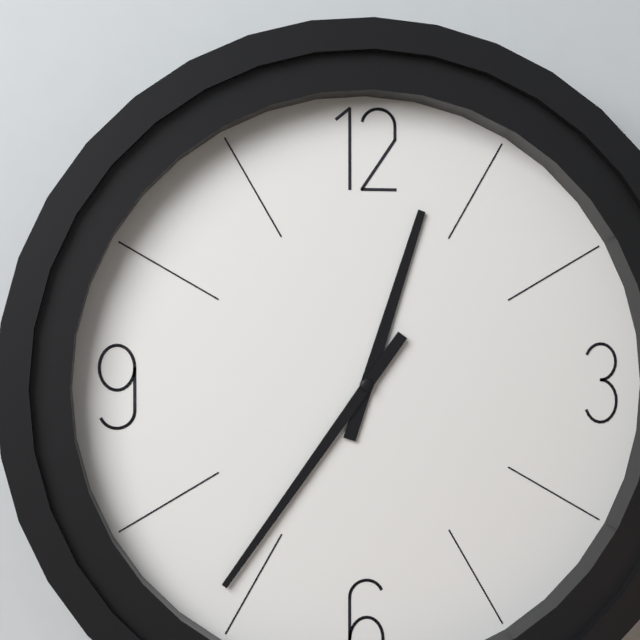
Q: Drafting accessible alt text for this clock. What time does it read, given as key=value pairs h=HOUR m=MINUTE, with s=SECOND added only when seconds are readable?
h=12 m=36
